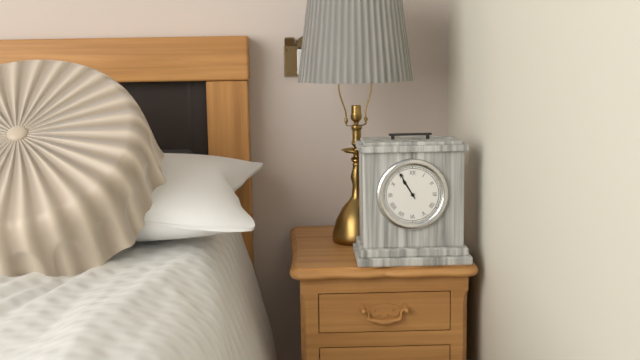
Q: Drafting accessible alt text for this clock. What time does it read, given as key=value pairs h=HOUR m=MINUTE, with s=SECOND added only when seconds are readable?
h=10 m=55
